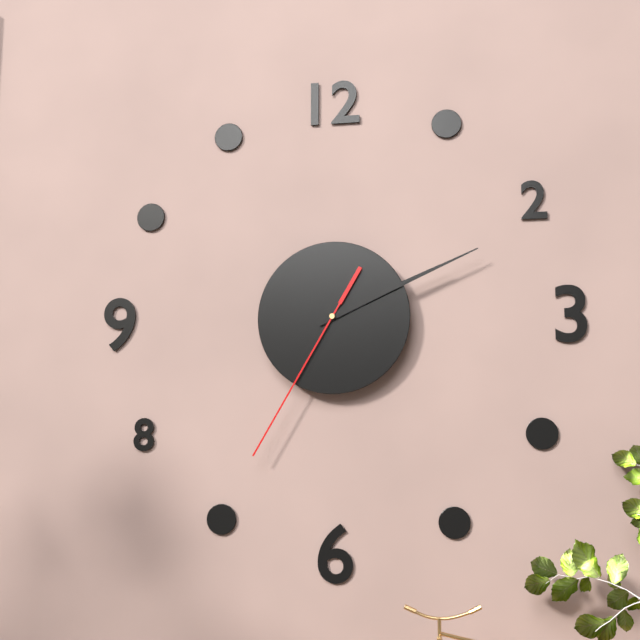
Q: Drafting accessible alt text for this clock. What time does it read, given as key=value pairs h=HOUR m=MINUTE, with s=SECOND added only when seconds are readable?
h=2 m=11 s=35
